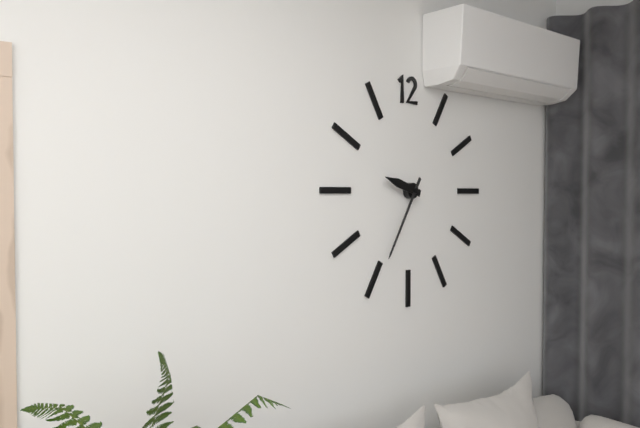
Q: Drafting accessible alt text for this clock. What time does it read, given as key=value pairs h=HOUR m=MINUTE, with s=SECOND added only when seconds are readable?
h=9 m=35
